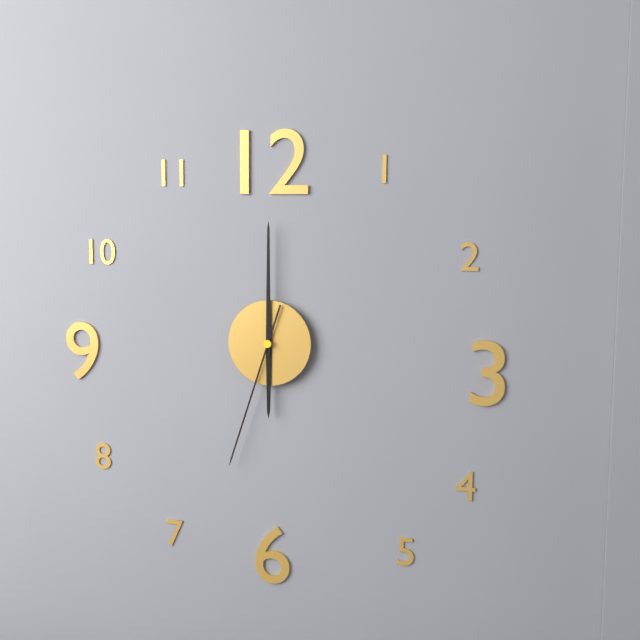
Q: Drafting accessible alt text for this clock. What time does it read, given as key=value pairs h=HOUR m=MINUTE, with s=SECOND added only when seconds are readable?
h=6 m=0 s=33
